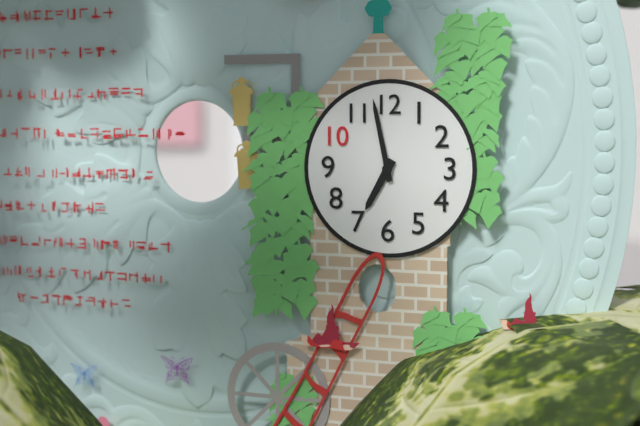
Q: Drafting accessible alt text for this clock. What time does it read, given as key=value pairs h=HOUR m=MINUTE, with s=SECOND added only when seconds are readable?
h=6 m=58
